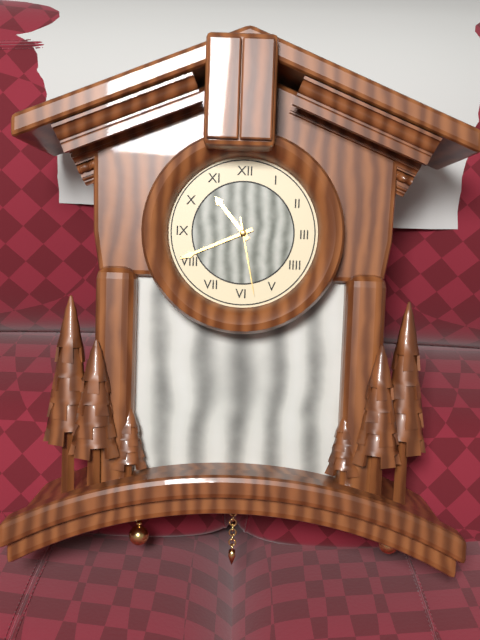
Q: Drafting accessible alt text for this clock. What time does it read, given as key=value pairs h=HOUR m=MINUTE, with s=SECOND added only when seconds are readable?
h=10 m=41 s=28
